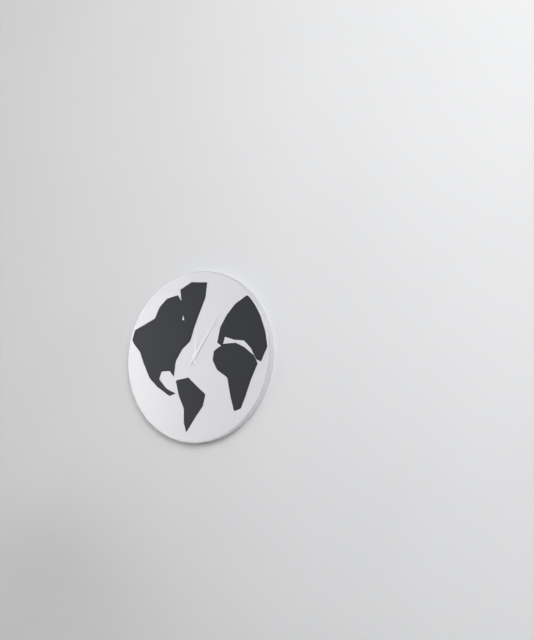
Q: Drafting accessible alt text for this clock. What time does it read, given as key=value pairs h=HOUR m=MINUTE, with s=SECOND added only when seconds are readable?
h=12 m=6
